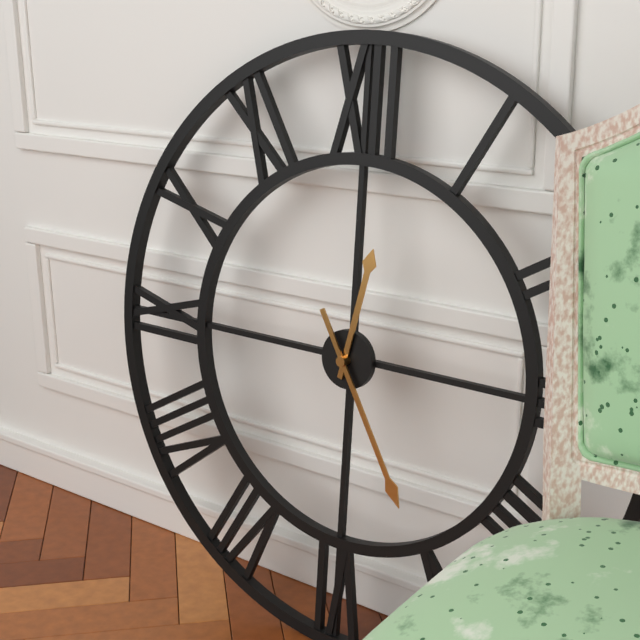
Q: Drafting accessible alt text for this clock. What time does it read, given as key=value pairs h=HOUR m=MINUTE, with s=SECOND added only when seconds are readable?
h=12 m=25
